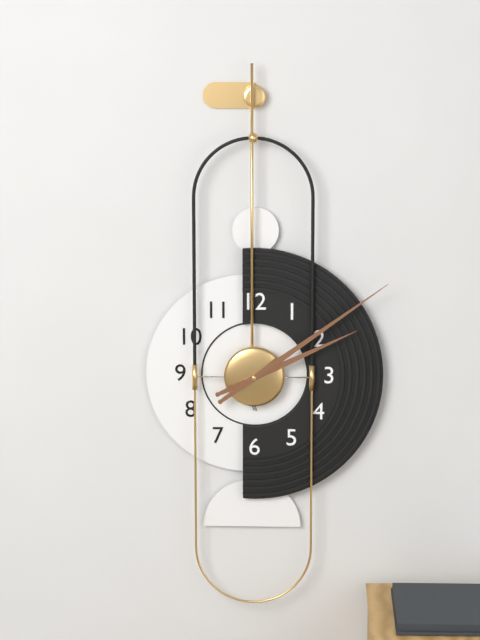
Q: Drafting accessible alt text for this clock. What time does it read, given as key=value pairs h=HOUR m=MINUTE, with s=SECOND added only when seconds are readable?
h=2 m=9
